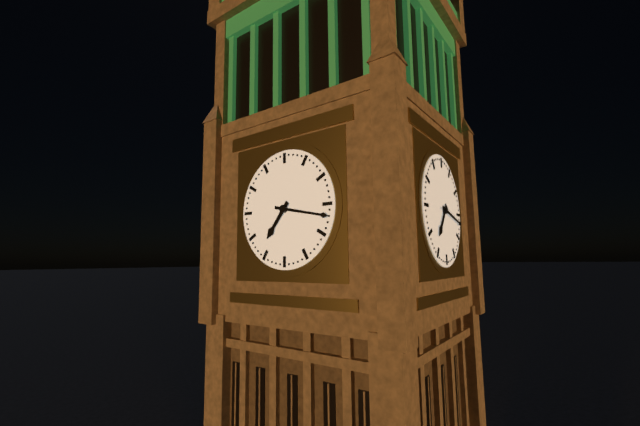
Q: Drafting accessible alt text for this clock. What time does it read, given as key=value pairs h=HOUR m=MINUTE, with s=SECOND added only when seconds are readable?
h=7 m=17
